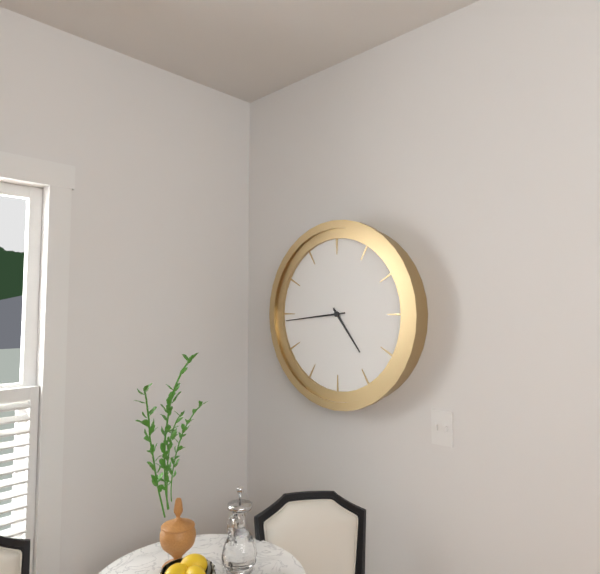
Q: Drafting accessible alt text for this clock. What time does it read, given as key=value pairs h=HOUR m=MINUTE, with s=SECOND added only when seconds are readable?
h=4 m=44
